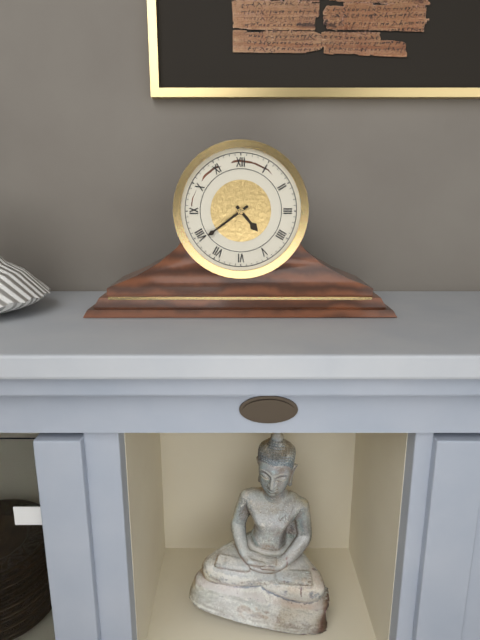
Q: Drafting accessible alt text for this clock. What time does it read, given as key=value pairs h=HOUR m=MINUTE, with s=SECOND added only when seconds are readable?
h=4 m=39
